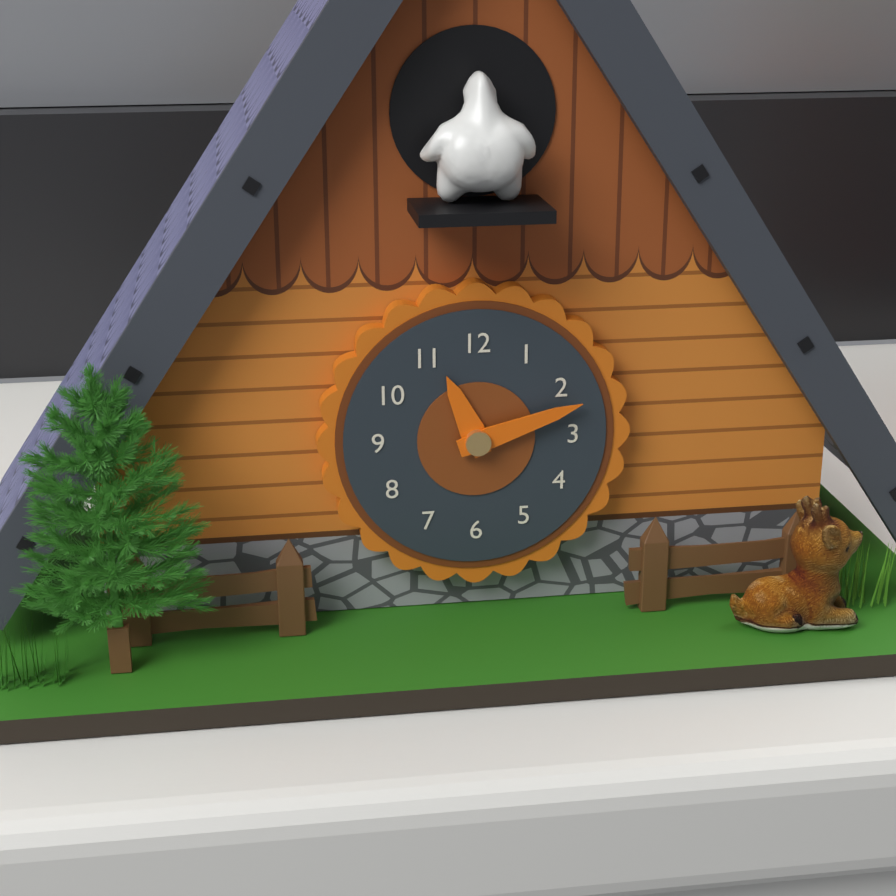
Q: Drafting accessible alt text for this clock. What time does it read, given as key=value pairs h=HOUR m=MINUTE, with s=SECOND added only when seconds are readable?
h=11 m=12
